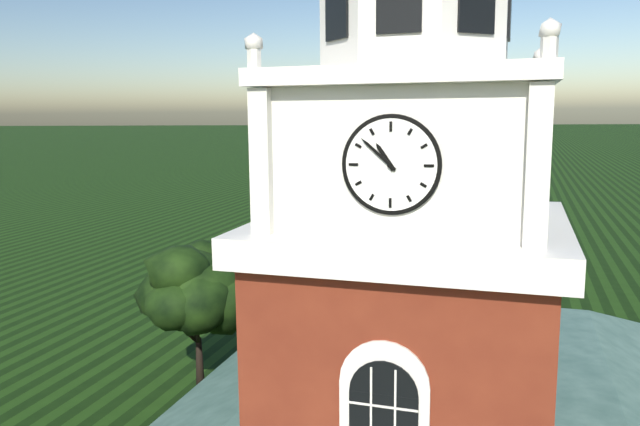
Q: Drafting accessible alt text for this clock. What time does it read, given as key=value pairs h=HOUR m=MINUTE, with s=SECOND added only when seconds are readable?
h=10 m=52
